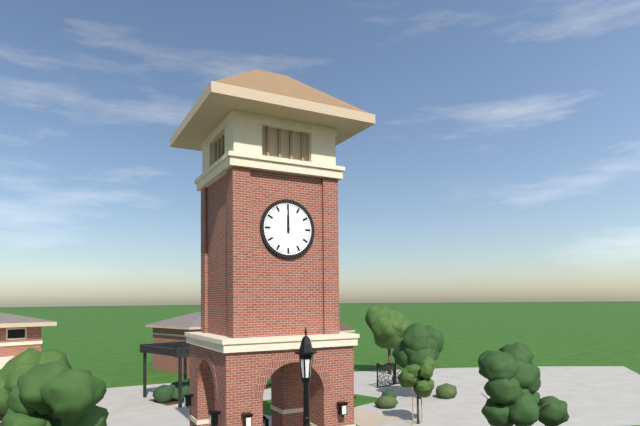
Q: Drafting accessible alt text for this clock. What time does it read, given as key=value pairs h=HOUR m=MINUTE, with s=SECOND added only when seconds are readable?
h=12 m=0
